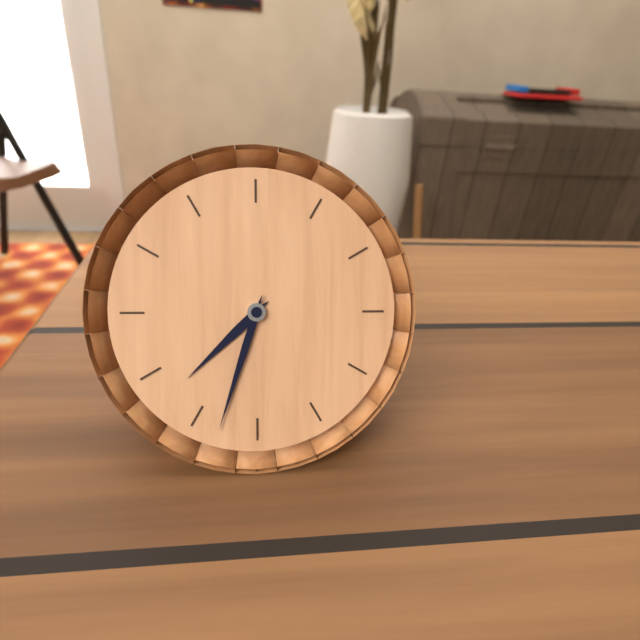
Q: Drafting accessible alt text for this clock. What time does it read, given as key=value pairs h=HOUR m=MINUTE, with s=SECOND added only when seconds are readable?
h=7 m=33
